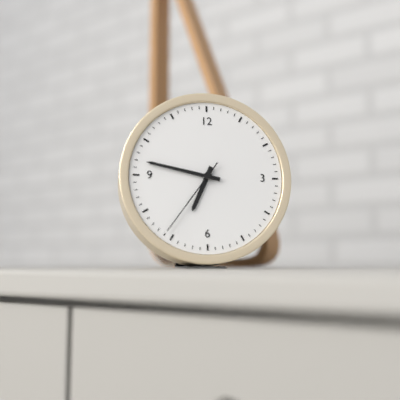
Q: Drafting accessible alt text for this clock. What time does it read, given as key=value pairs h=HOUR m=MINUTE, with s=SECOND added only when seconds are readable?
h=6 m=47 s=36
